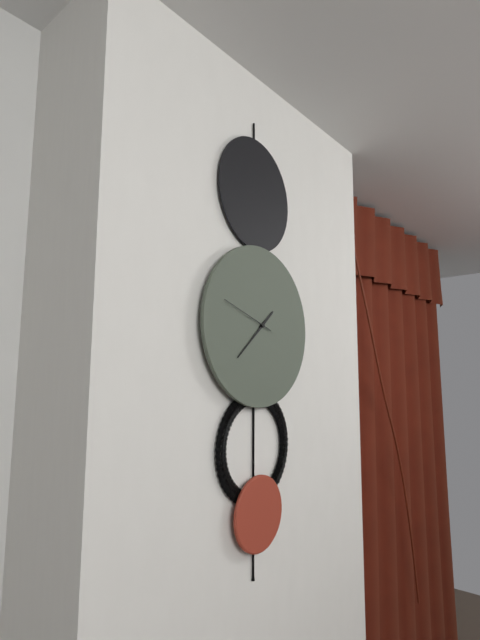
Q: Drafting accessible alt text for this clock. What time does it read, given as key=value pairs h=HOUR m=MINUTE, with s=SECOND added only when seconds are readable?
h=1 m=38 s=48
